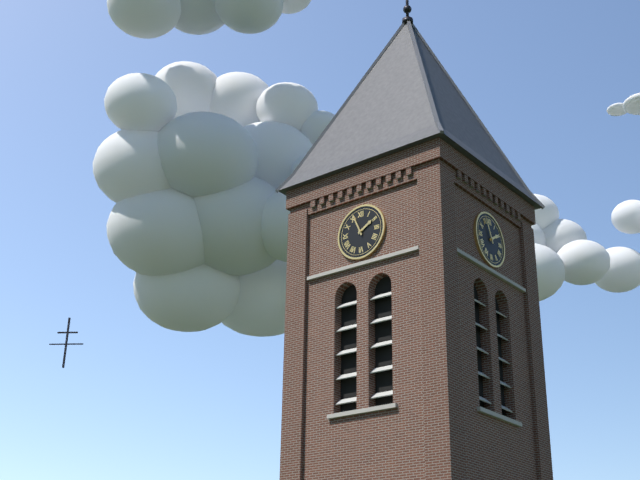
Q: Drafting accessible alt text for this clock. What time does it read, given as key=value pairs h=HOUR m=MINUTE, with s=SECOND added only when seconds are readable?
h=1 m=56
